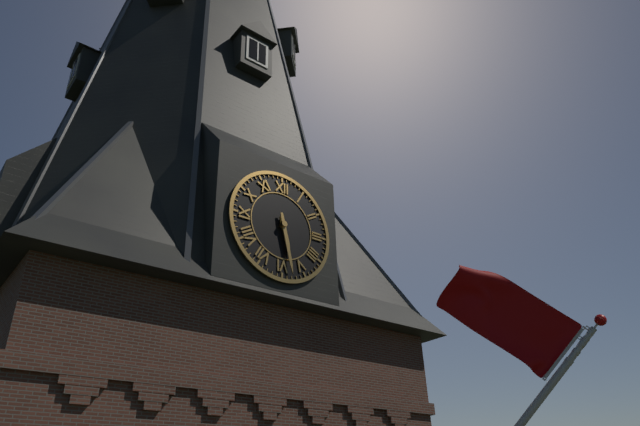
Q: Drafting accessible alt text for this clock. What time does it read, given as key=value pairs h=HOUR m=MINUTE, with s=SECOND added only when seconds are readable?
h=5 m=28
